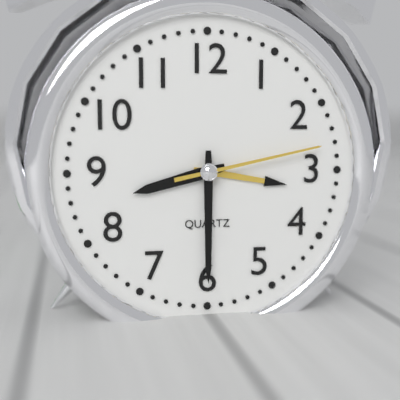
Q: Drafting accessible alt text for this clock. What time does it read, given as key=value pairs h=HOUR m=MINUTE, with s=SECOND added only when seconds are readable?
h=8 m=30 s=13
